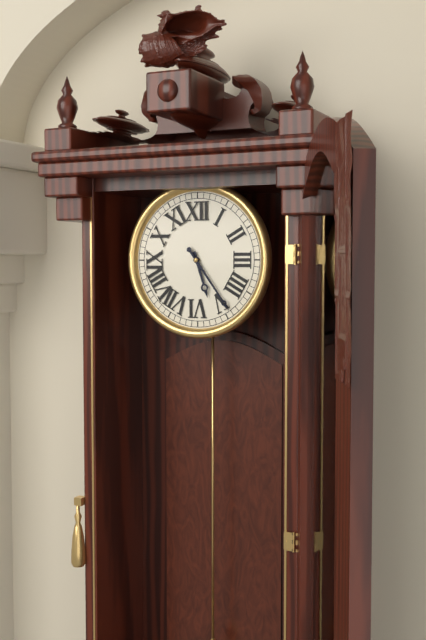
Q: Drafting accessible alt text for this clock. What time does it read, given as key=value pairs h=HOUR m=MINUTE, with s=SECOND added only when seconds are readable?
h=5 m=24
